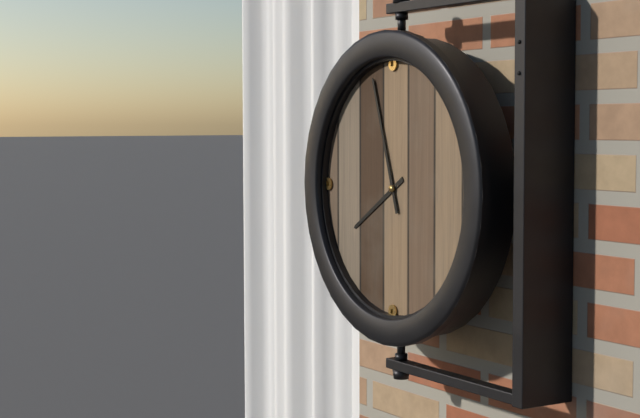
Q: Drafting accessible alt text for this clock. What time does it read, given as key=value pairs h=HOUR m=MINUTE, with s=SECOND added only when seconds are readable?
h=7 m=57
